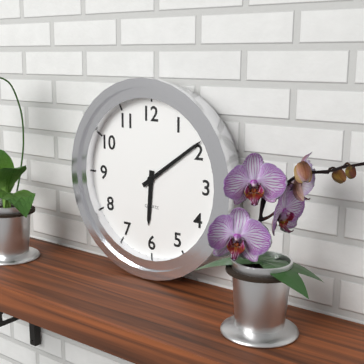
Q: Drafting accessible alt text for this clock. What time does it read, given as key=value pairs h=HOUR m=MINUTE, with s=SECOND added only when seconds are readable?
h=6 m=9
